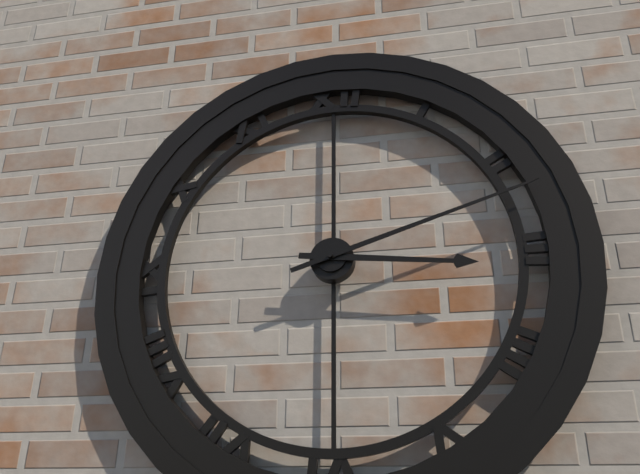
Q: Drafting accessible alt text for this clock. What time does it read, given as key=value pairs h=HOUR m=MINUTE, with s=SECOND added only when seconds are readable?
h=3 m=12
